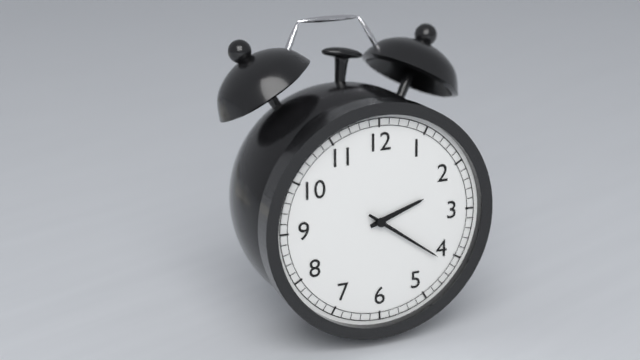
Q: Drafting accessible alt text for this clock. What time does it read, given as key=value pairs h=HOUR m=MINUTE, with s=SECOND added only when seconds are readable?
h=2 m=21
